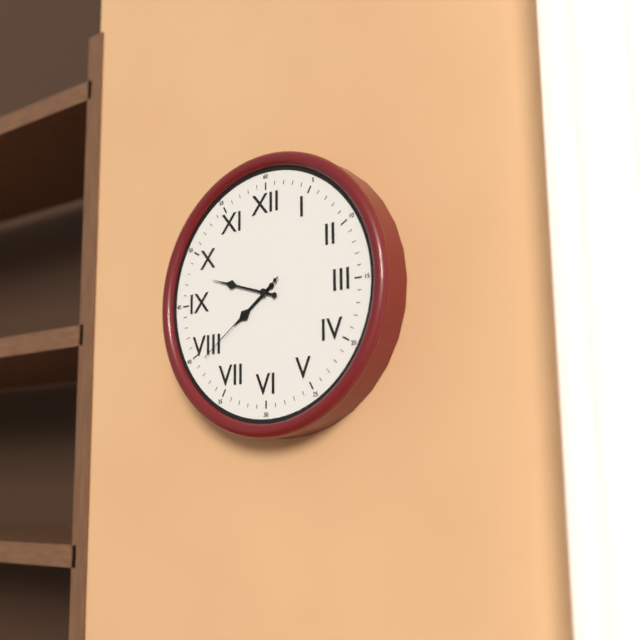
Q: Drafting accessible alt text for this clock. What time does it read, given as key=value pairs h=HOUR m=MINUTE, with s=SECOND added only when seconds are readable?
h=7 m=48 s=39
